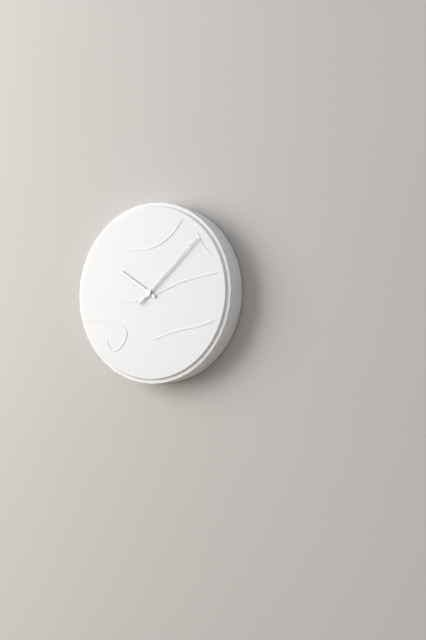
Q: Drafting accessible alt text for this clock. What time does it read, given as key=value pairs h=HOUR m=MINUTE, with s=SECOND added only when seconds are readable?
h=10 m=8
